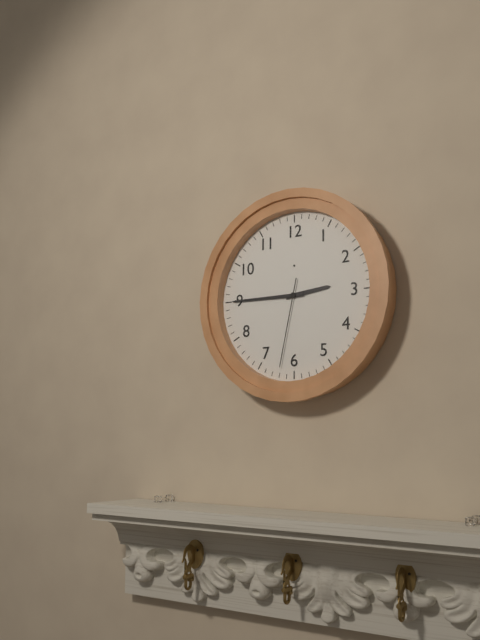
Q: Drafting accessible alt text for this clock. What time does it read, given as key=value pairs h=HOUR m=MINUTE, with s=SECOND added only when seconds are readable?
h=2 m=45 s=32
